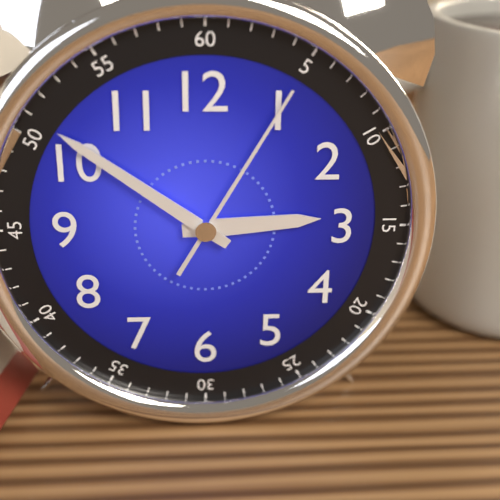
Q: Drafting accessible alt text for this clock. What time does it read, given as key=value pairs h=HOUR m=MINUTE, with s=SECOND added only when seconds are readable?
h=2 m=51 s=5
